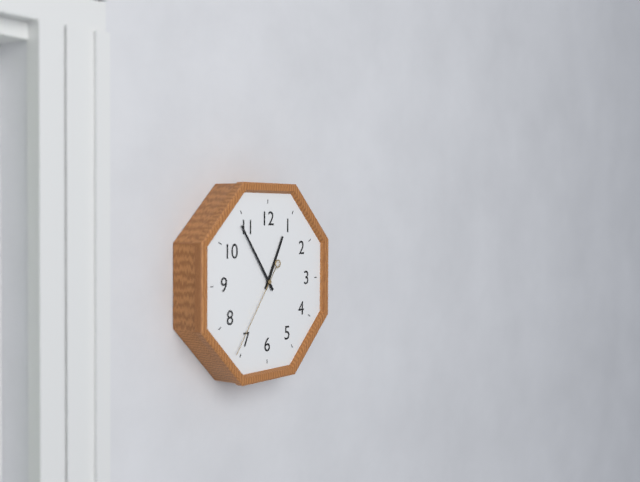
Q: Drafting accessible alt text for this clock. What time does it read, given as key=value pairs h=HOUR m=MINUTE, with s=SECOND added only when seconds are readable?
h=12 m=54 s=36
